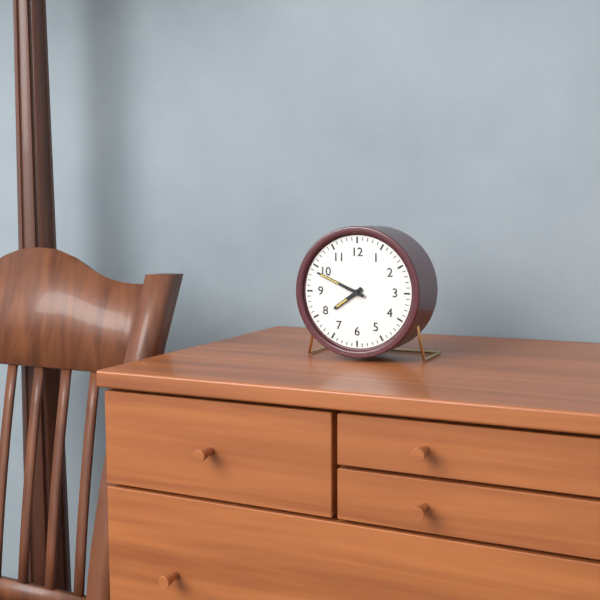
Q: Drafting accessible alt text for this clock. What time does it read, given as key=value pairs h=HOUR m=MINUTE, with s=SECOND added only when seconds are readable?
h=7 m=49
